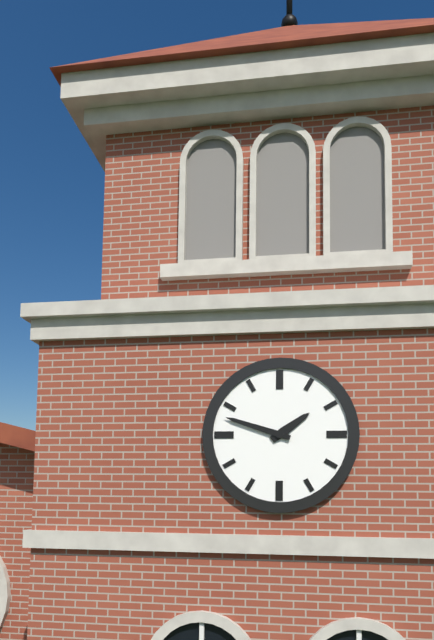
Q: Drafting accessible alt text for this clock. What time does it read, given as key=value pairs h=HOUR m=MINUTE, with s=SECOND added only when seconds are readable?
h=1 m=48
